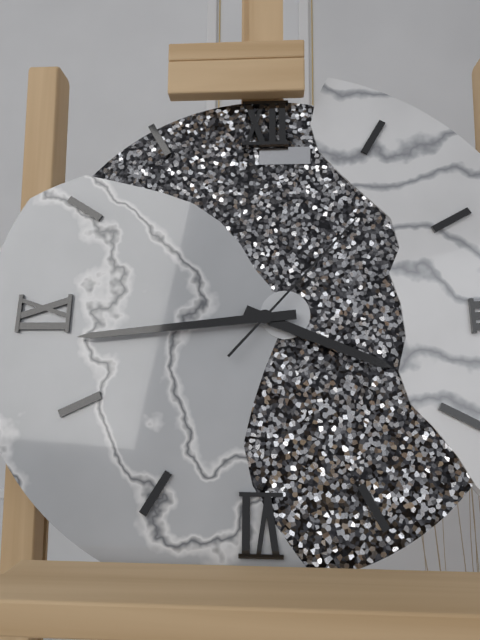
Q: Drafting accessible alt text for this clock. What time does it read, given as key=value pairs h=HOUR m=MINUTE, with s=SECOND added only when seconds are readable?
h=3 m=44 s=7
